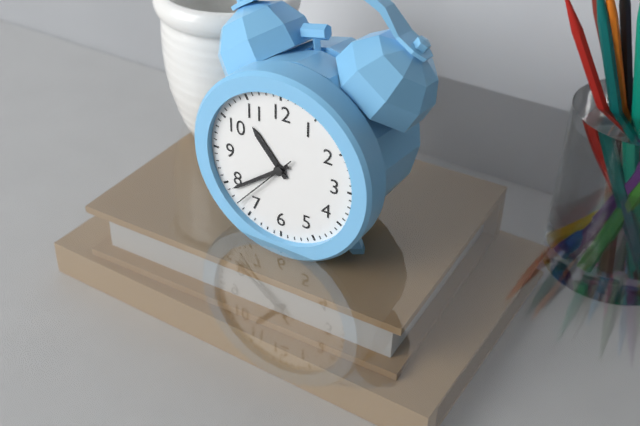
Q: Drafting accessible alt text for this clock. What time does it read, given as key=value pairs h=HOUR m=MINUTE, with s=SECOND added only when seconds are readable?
h=10 m=39 s=37
